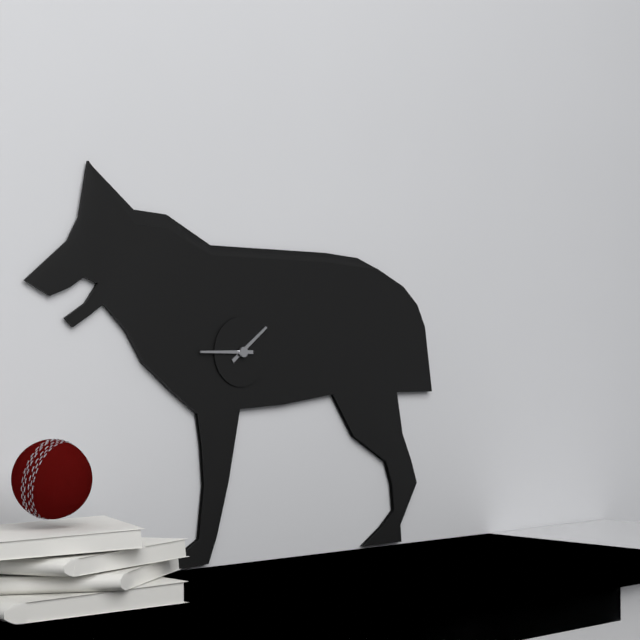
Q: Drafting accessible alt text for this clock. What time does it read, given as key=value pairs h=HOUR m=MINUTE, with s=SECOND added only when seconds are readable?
h=1 m=45
